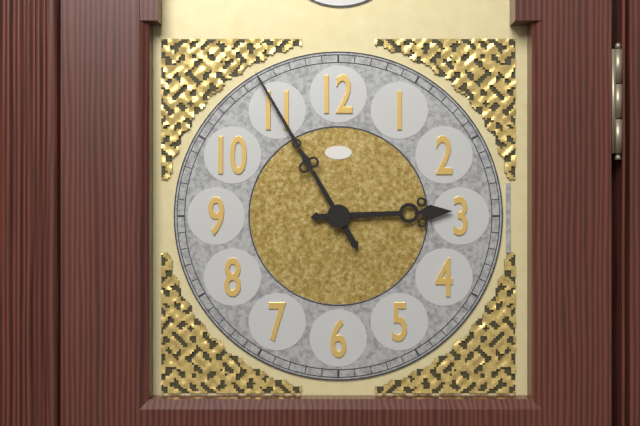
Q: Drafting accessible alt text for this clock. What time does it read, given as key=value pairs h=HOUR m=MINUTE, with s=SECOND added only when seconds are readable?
h=2 m=55
